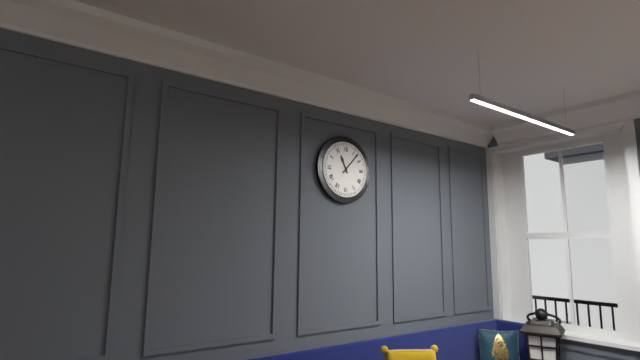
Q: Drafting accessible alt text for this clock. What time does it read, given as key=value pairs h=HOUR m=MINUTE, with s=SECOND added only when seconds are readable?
h=11 m=7
